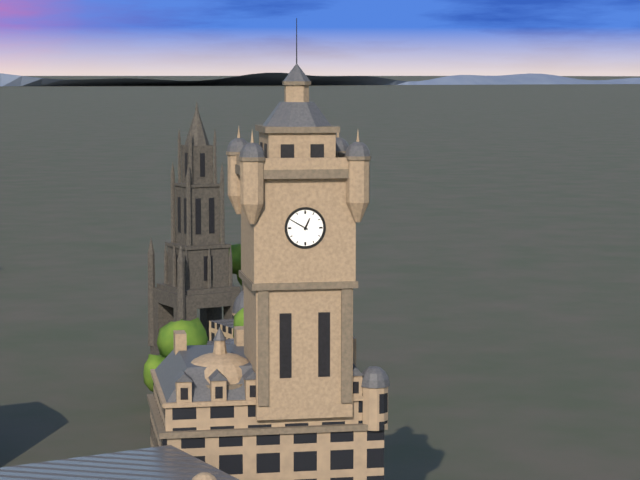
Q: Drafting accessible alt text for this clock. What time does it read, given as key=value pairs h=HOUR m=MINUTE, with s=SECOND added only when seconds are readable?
h=12 m=50
